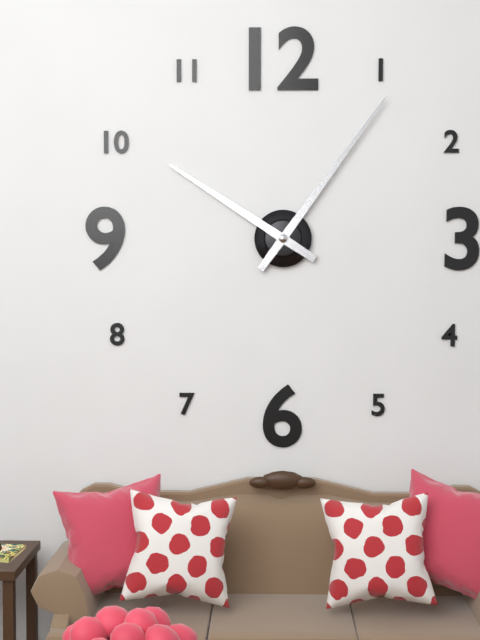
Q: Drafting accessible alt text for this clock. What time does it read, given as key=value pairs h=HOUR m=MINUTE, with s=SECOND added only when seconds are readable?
h=10 m=6
